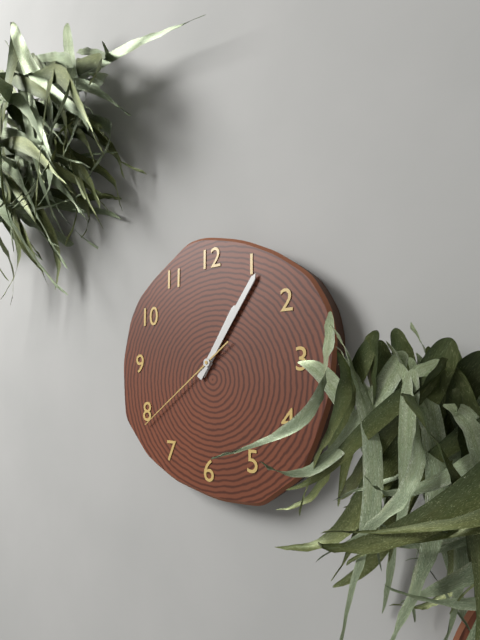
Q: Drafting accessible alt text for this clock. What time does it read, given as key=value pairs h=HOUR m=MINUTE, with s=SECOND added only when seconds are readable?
h=1 m=6 s=39
